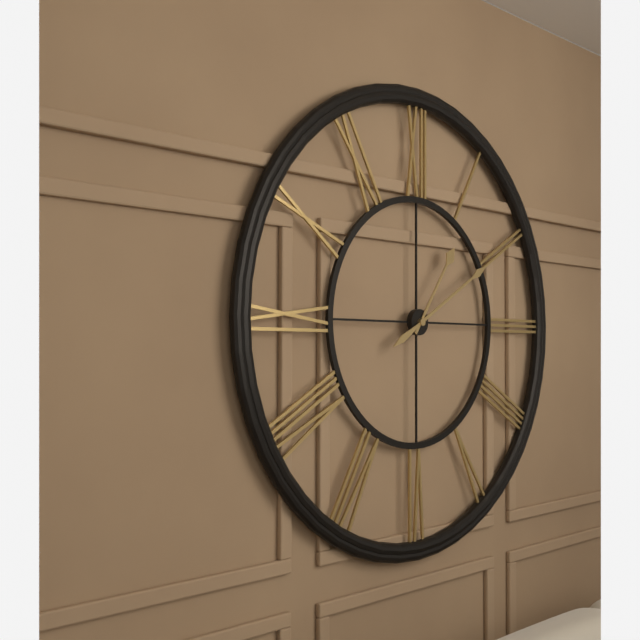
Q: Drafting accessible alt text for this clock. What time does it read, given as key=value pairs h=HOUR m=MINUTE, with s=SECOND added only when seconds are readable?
h=1 m=10
